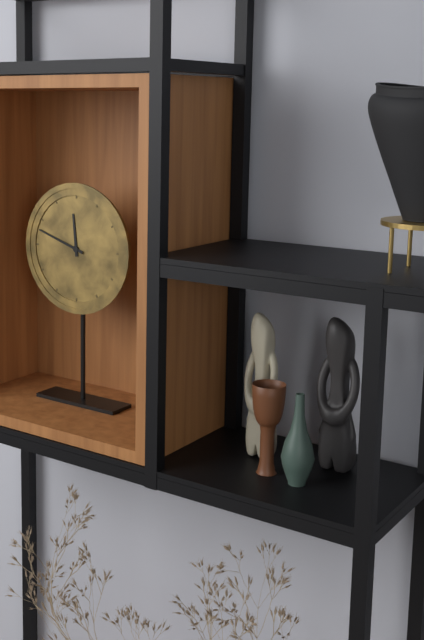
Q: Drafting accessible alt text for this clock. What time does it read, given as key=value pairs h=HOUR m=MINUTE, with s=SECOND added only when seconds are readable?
h=11 m=48
